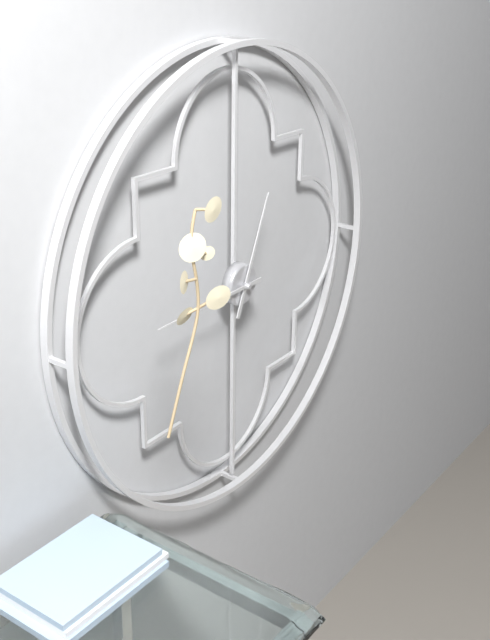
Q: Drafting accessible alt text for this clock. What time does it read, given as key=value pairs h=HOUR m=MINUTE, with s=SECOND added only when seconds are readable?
h=12 m=45
